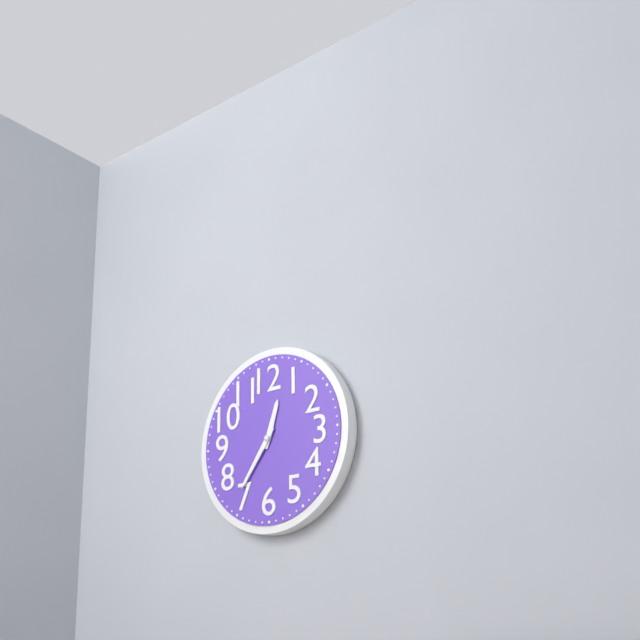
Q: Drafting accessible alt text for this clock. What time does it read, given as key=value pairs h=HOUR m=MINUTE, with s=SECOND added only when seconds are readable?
h=12 m=36
